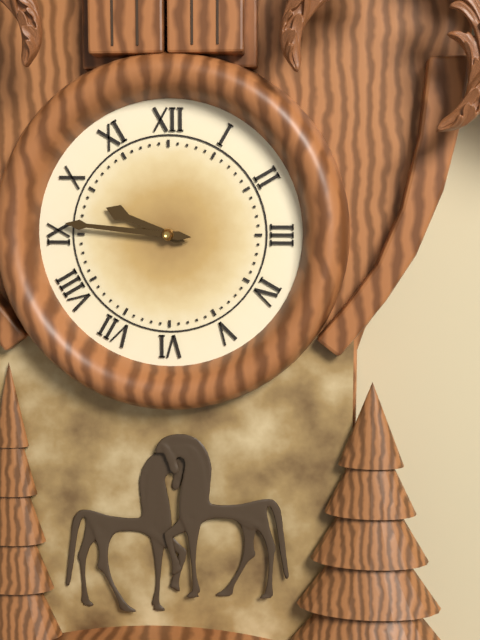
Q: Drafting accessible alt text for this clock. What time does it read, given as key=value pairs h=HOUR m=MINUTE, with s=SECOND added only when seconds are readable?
h=9 m=46
